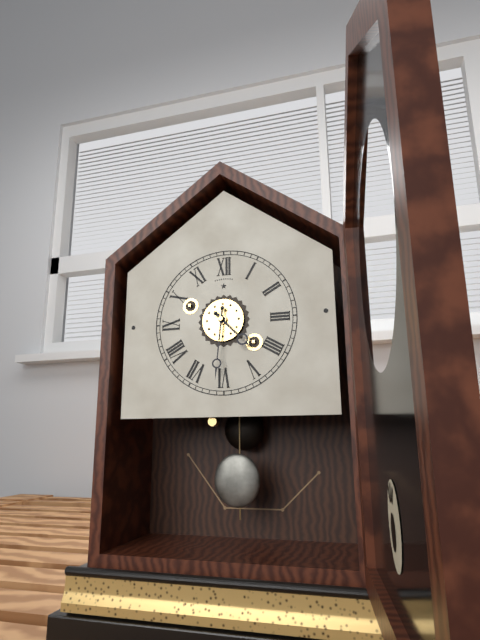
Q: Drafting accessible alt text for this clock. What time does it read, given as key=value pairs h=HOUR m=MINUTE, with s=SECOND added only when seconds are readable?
h=4 m=31
